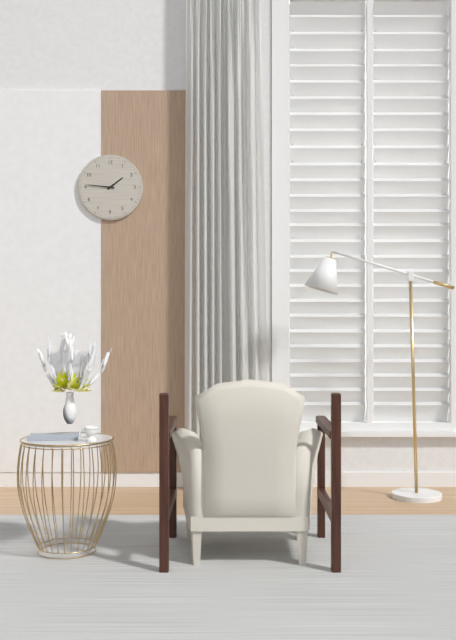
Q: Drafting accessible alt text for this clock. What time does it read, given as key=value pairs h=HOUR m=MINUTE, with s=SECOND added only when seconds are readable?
h=1 m=46
